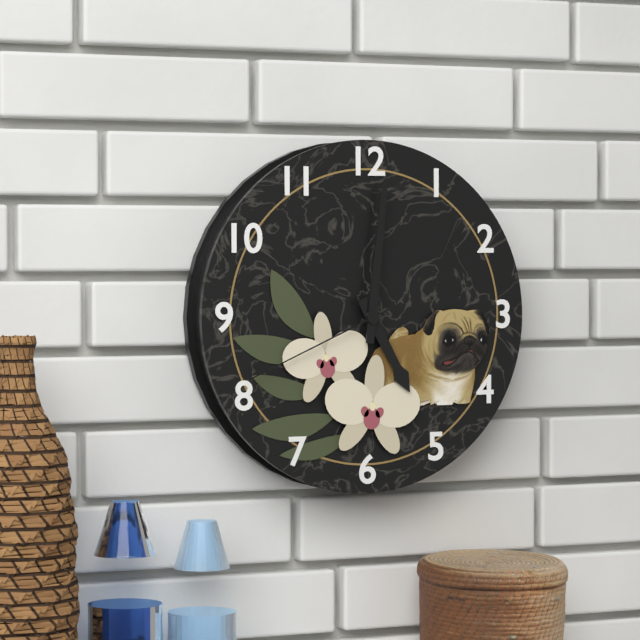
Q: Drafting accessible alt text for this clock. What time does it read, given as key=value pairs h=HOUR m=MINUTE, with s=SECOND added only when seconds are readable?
h=5 m=1 s=41
